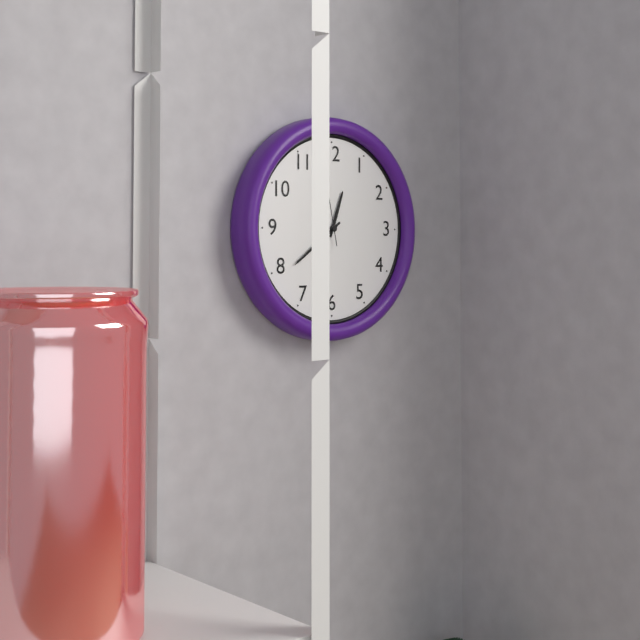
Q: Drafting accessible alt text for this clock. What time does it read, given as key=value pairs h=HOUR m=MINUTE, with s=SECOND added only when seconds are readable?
h=12 m=39
